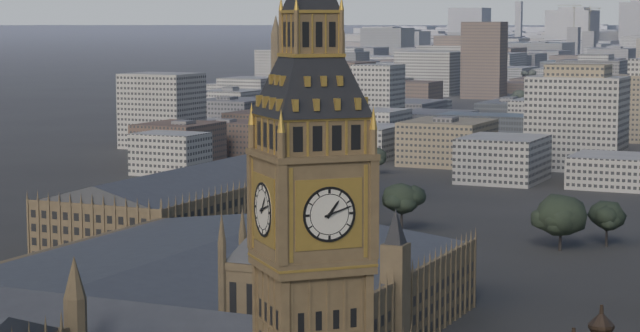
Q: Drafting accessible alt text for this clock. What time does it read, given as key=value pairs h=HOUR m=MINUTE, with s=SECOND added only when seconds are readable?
h=1 m=12
